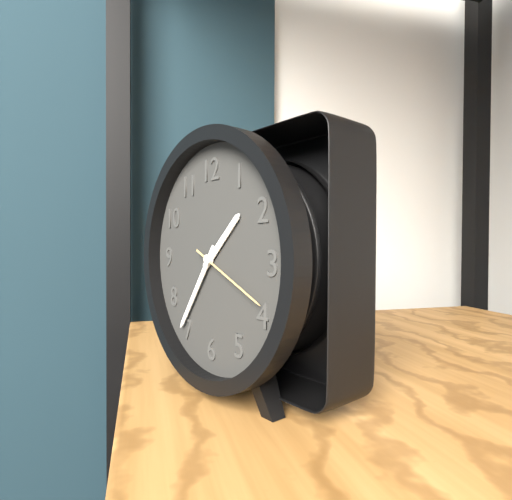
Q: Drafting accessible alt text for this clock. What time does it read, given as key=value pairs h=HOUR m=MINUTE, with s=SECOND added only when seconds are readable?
h=1 m=36 s=19
